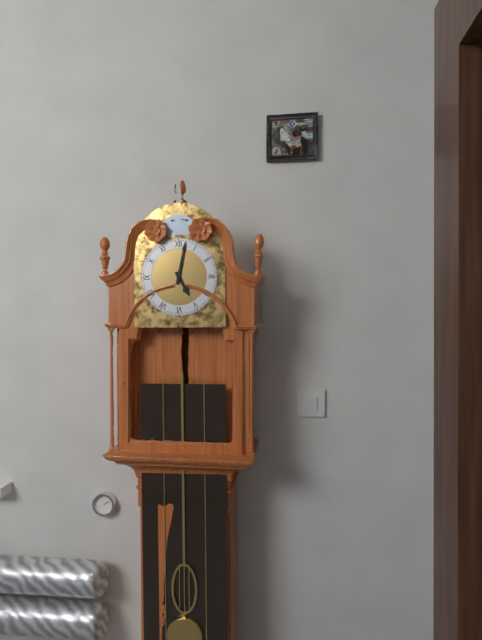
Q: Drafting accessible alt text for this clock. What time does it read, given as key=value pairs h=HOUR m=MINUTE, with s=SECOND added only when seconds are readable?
h=5 m=2
